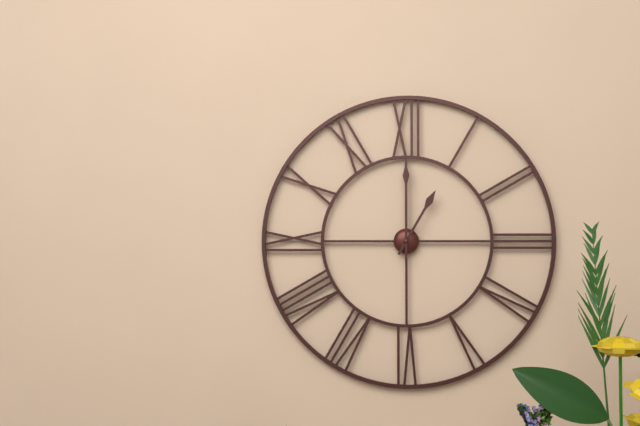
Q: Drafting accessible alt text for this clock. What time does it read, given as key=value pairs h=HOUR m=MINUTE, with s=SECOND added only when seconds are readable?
h=1 m=0
